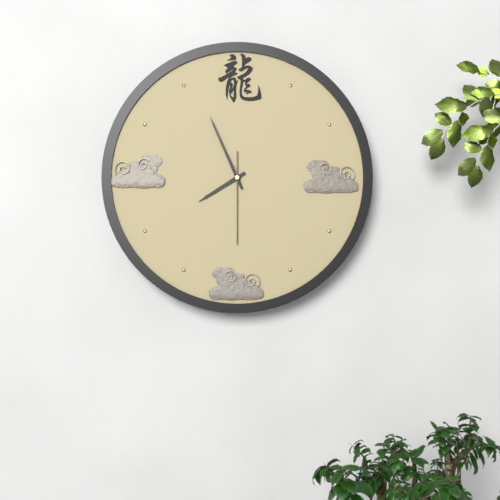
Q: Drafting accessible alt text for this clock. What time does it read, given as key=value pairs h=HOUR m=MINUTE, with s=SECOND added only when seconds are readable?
h=7 m=56 s=30
